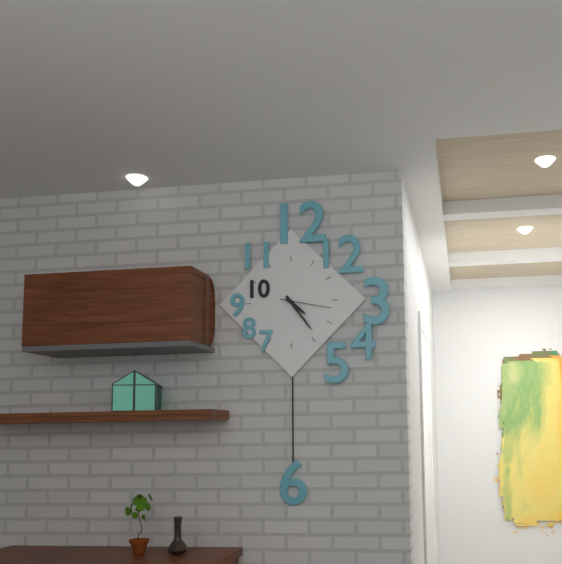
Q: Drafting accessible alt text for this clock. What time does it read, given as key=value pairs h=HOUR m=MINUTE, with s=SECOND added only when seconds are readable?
h=4 m=24
